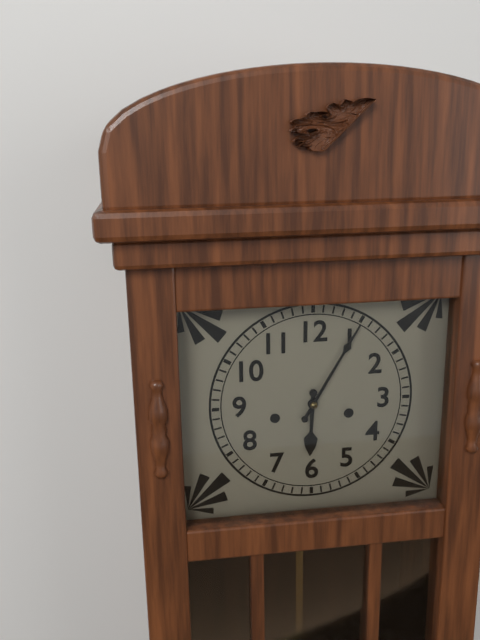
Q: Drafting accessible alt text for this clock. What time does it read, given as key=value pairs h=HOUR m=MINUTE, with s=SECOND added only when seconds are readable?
h=6 m=5
